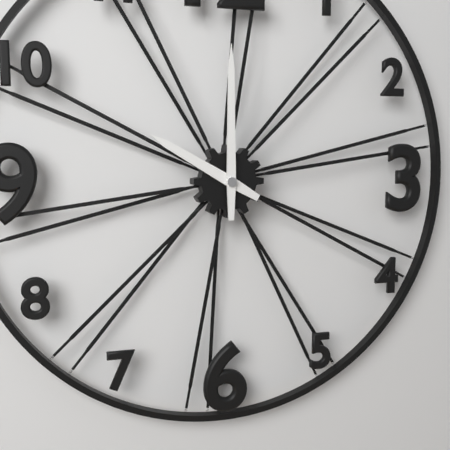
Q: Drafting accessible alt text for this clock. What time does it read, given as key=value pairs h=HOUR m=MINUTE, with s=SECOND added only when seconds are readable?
h=10 m=0
